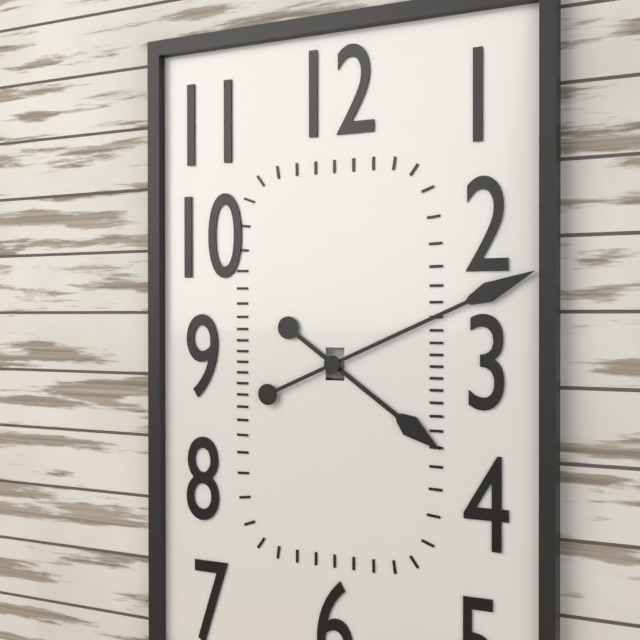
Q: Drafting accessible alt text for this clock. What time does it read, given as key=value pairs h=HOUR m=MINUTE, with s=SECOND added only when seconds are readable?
h=4 m=11
